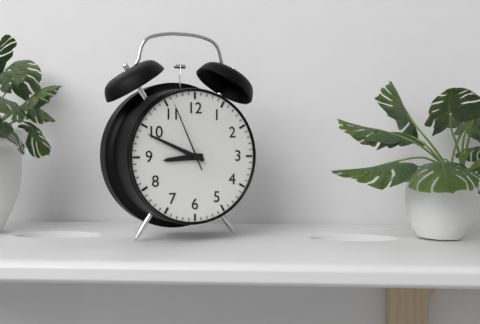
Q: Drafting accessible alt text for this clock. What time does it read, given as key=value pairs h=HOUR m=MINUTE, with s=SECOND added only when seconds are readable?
h=8 m=49 s=56
